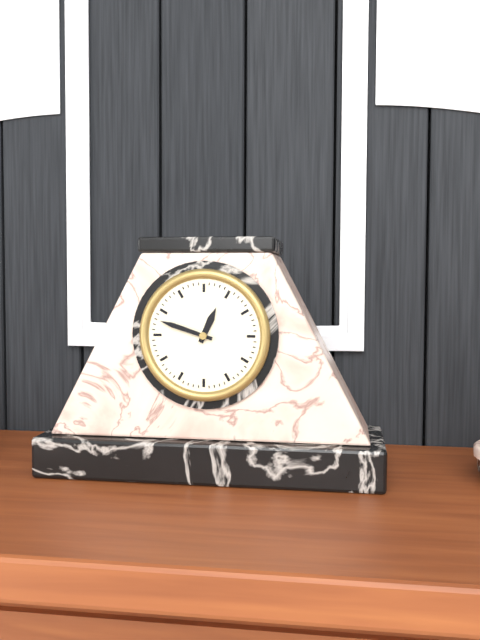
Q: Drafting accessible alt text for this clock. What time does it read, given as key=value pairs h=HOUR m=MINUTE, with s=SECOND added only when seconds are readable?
h=12 m=48
